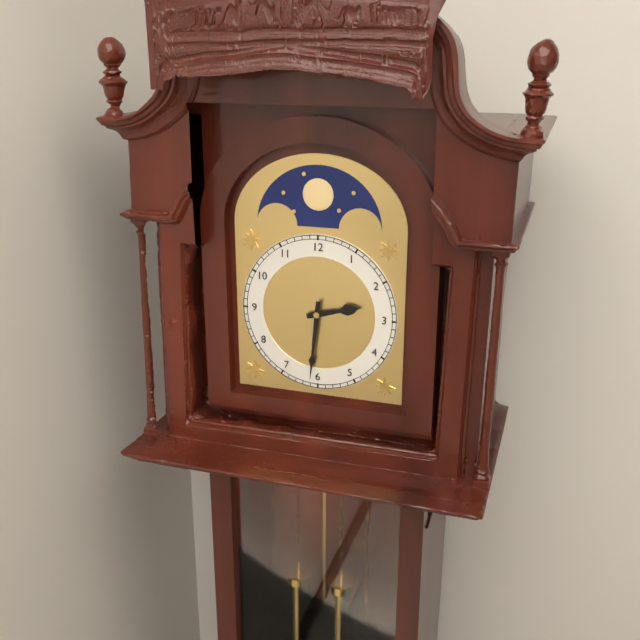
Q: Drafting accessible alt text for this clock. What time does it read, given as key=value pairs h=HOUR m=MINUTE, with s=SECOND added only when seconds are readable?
h=2 m=31
